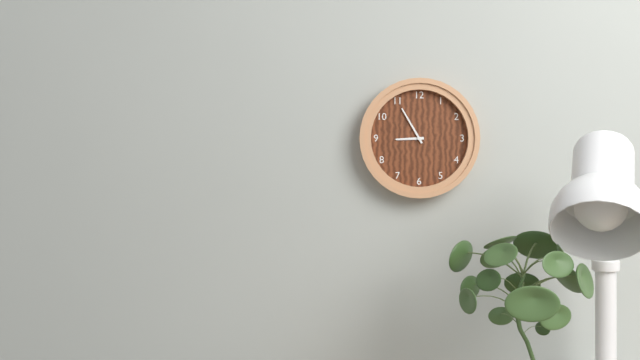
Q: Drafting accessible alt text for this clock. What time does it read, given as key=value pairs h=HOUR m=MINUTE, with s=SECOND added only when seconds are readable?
h=8 m=55
